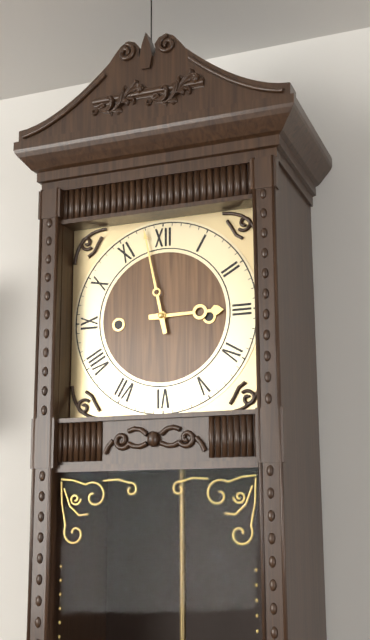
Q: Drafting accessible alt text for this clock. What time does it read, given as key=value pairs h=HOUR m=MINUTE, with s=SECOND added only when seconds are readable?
h=2 m=58
